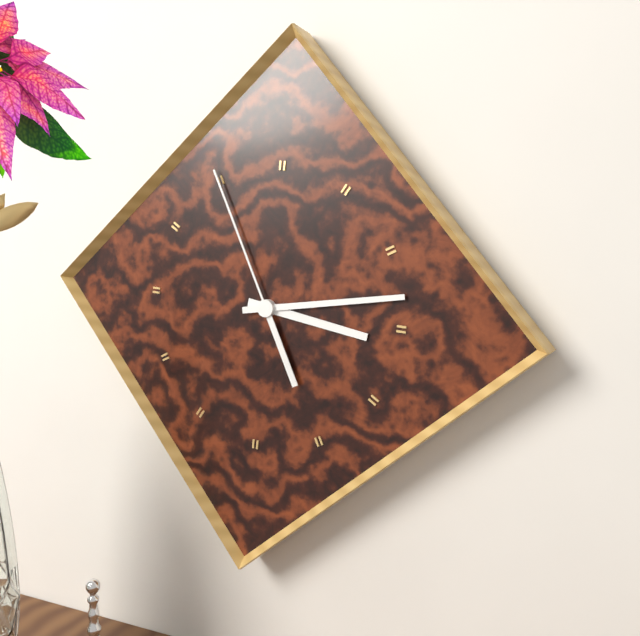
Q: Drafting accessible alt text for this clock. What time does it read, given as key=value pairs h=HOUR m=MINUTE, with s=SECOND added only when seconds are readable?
h=3 m=13 s=55
